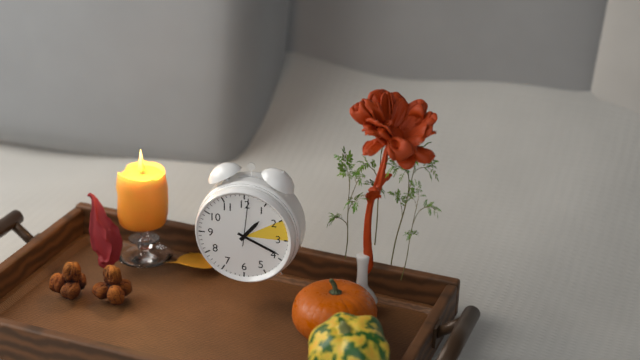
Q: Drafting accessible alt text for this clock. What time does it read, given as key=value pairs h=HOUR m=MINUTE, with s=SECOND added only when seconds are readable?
h=1 m=19
